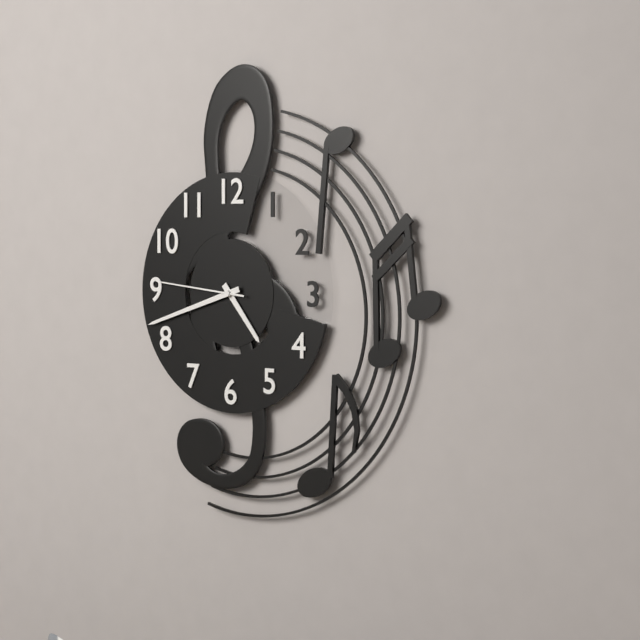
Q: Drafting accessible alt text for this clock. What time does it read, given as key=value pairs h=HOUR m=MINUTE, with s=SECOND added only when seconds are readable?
h=4 m=42 s=46
